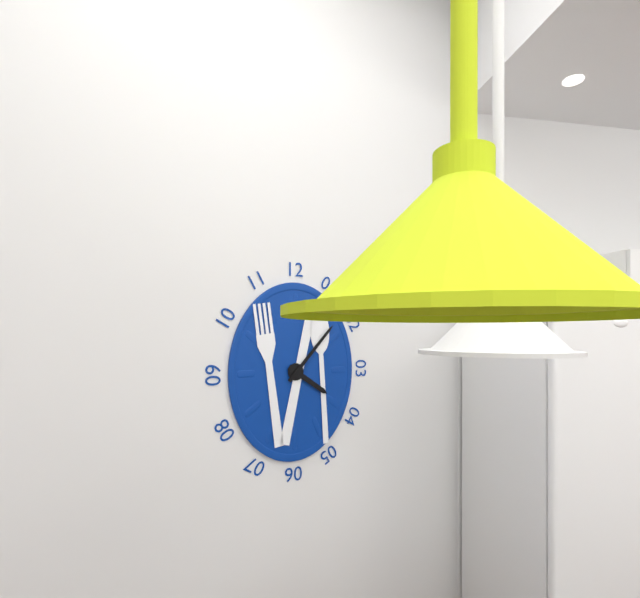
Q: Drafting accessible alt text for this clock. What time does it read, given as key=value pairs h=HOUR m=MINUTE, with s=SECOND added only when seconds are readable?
h=4 m=7
